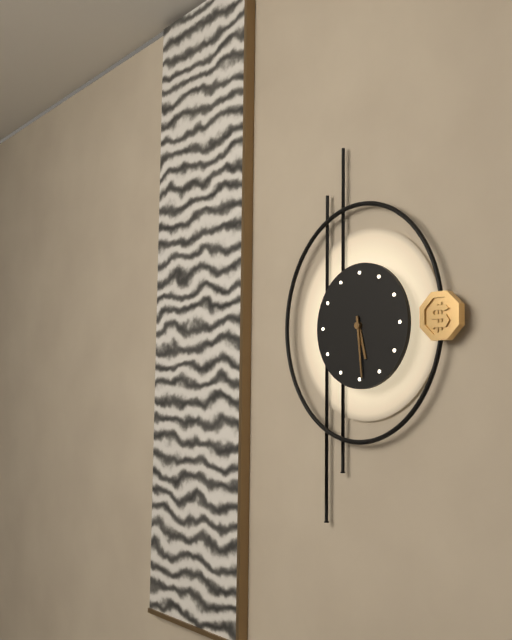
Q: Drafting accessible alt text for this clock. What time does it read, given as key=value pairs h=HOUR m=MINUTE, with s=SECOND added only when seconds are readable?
h=5 m=29
